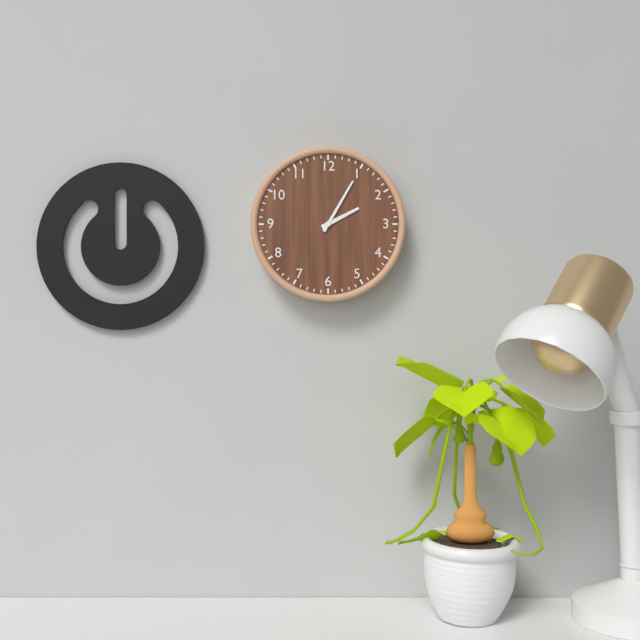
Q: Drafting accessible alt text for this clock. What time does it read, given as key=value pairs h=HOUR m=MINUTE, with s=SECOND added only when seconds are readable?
h=2 m=5
